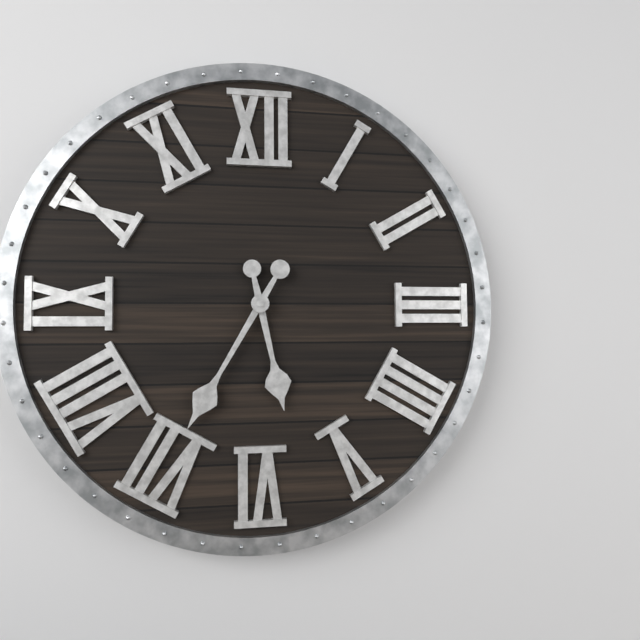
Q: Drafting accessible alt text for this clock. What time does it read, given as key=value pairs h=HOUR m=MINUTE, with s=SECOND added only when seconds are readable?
h=5 m=35
